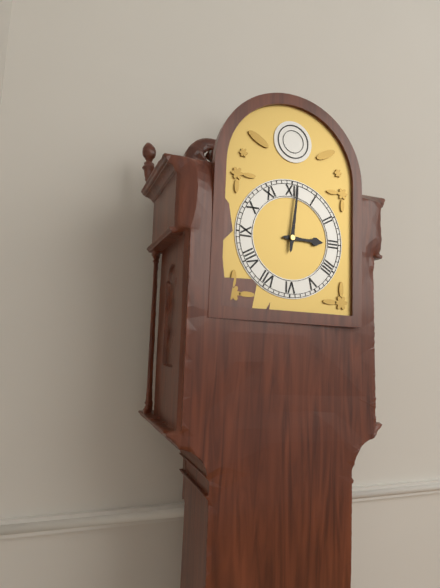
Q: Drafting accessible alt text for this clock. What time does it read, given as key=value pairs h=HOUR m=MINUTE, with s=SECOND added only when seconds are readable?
h=3 m=1
